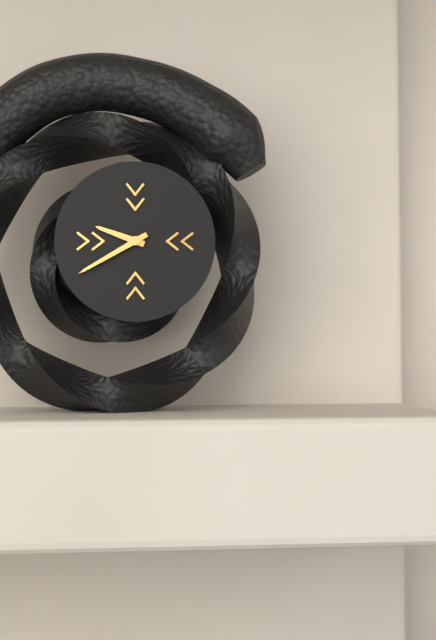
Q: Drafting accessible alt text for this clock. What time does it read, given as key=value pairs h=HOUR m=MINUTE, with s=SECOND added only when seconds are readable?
h=9 m=40
